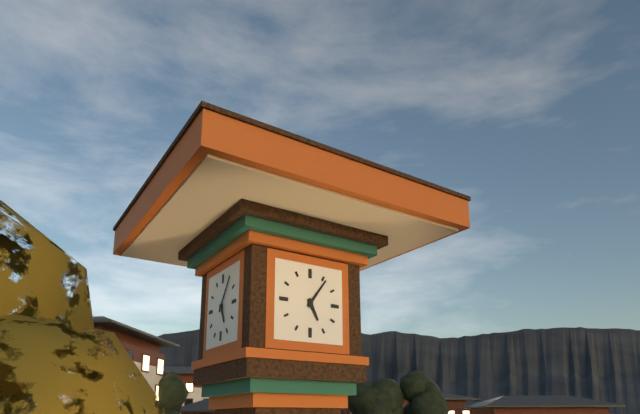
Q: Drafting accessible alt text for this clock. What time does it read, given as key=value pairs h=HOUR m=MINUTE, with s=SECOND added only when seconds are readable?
h=5 m=6
